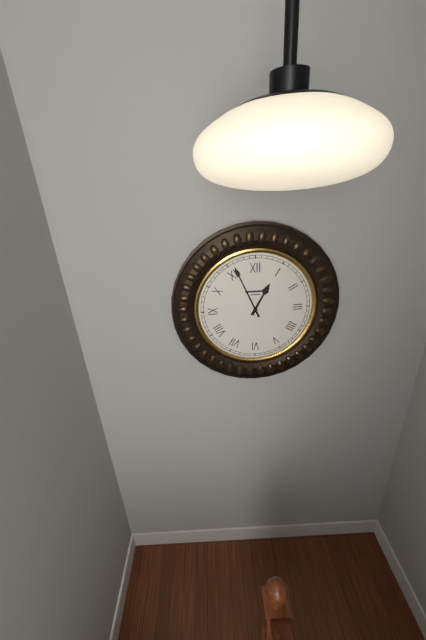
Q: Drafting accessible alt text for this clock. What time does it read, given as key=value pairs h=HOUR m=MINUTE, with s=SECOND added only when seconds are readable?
h=12 m=56
